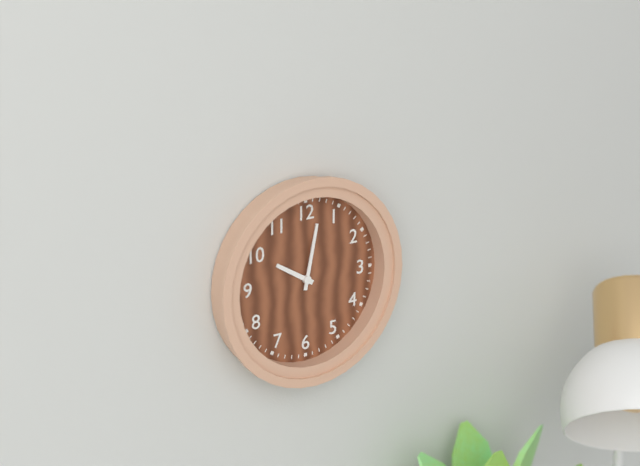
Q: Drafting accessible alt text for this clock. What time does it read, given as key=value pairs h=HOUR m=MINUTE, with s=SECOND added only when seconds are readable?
h=10 m=2
